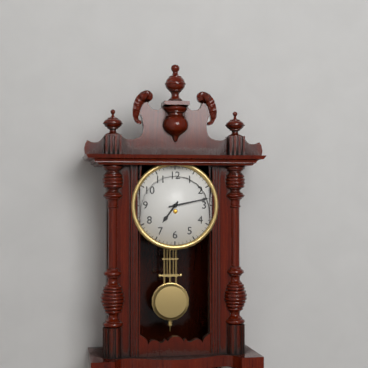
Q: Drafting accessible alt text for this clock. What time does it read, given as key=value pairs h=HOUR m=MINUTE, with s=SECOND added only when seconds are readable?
h=7 m=13
